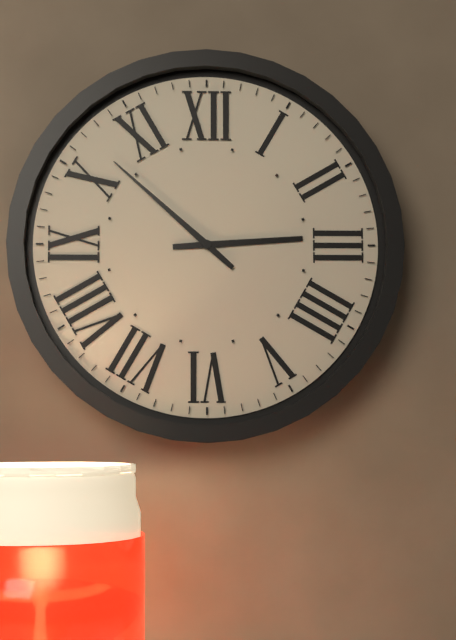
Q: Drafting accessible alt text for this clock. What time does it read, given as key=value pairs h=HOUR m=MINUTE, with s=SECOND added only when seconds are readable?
h=2 m=52
